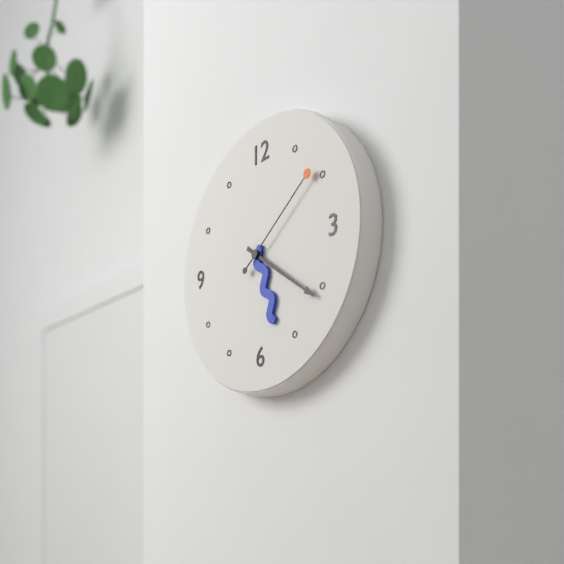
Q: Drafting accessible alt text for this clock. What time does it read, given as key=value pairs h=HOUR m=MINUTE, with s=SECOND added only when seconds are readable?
h=5 m=21 s=9
